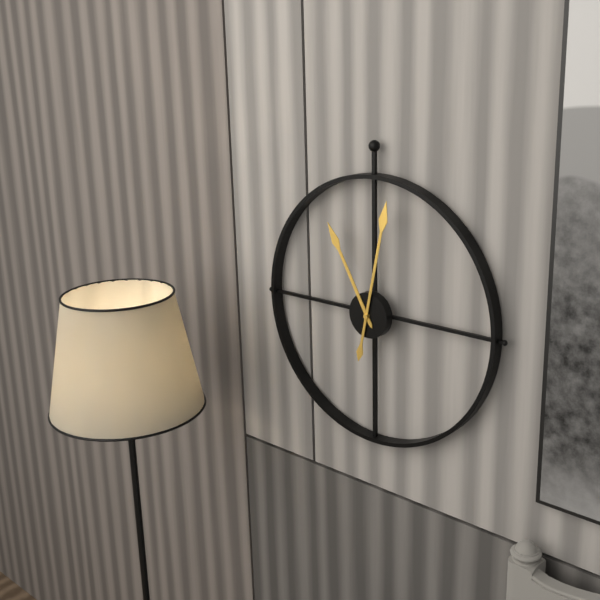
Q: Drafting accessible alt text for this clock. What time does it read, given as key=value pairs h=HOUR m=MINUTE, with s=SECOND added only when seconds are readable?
h=11 m=2
